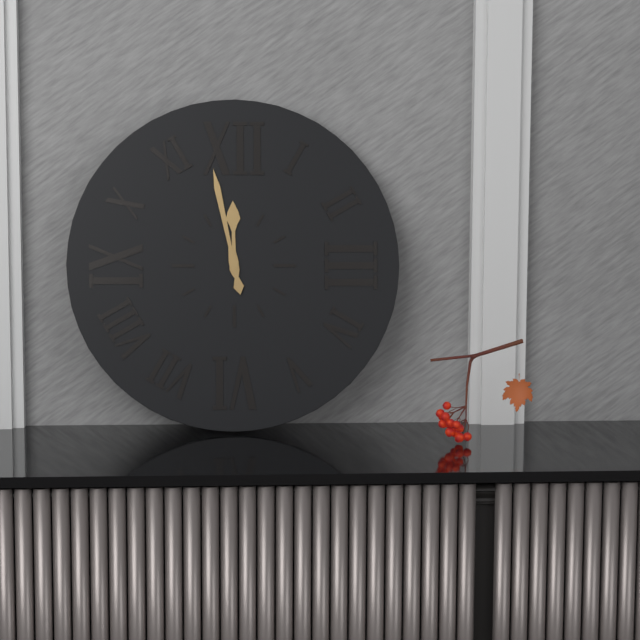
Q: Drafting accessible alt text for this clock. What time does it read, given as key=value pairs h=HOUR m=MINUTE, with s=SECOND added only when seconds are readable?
h=11 m=58
